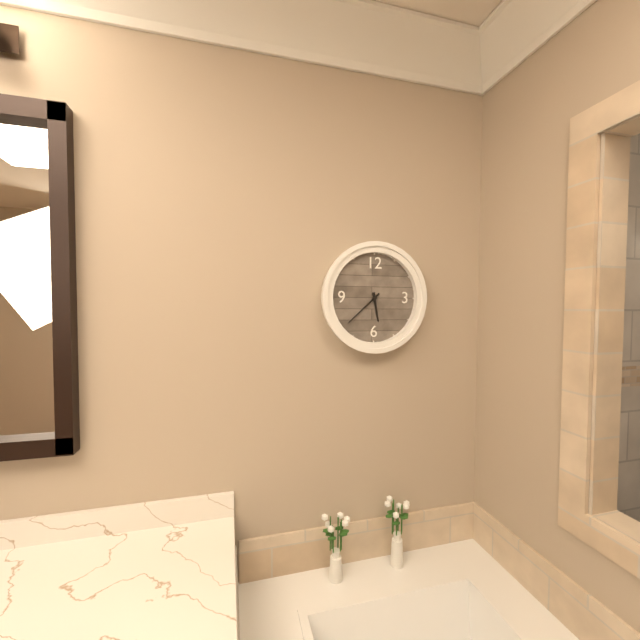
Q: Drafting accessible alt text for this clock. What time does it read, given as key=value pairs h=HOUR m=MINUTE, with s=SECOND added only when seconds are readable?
h=5 m=38
